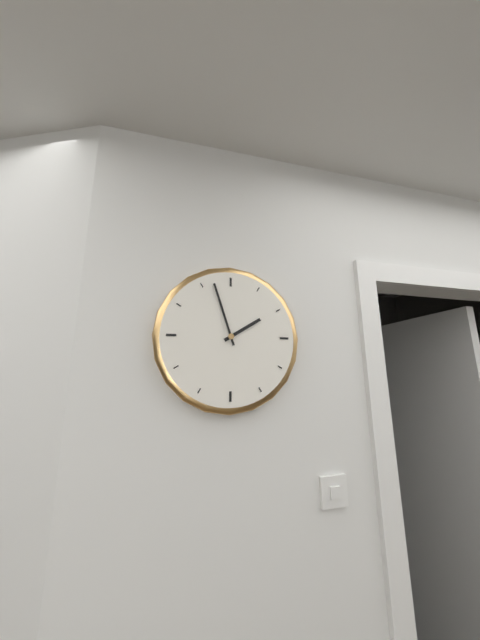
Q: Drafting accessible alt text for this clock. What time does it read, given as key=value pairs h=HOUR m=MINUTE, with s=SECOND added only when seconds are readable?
h=1 m=57
